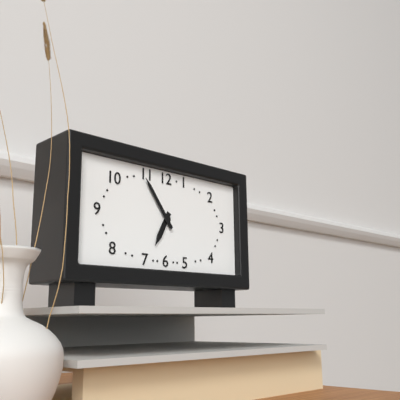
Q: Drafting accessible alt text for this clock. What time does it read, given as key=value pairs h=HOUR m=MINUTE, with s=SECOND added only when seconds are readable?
h=6 m=54
